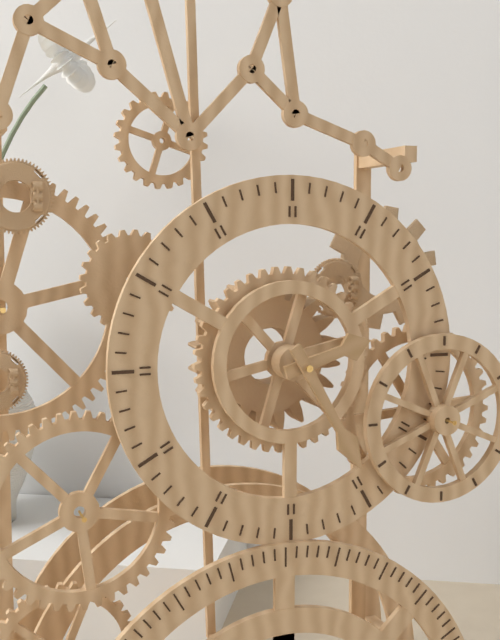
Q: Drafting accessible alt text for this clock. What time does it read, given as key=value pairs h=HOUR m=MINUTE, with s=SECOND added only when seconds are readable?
h=2 m=25
